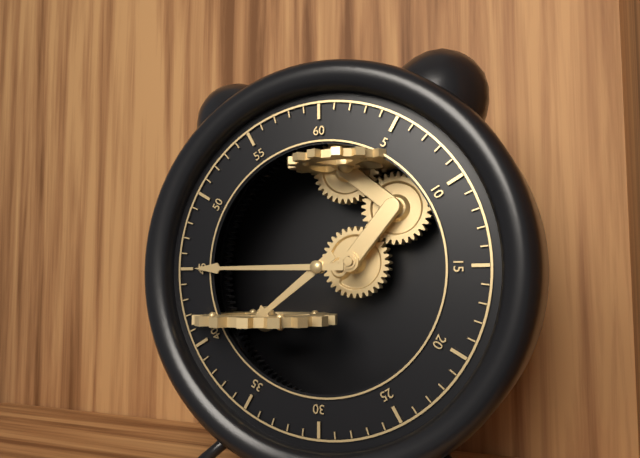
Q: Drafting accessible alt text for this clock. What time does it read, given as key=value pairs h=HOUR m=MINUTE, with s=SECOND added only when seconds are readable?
h=7 m=45
